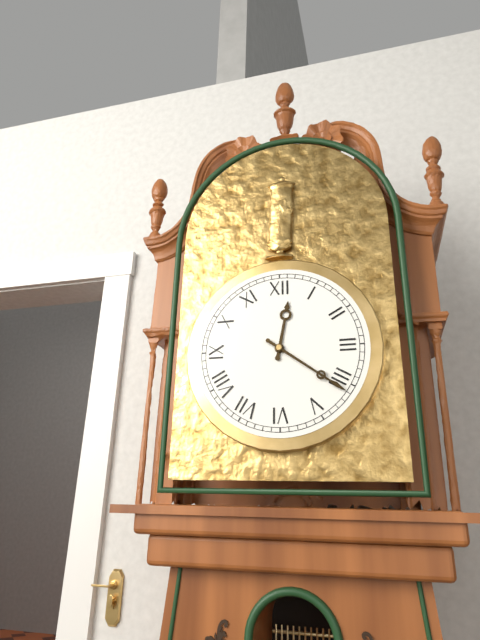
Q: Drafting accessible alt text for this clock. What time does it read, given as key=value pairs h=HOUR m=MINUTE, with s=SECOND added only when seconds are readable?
h=12 m=21
